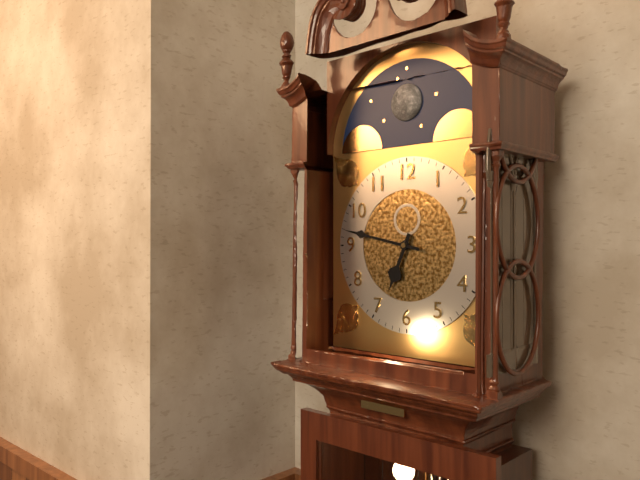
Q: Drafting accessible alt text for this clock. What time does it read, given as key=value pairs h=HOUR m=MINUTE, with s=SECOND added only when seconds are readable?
h=6 m=47
